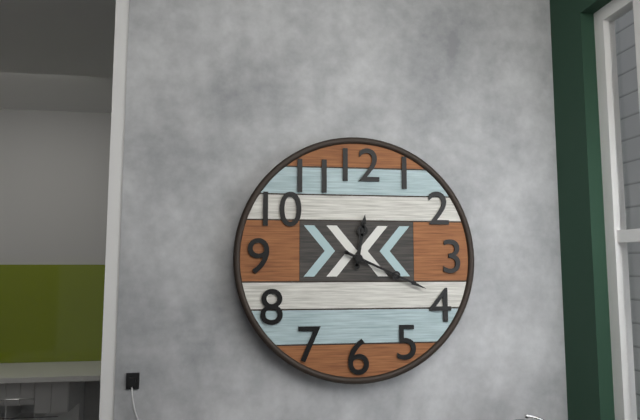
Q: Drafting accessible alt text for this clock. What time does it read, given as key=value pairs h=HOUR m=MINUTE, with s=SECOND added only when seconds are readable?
h=12 m=19
